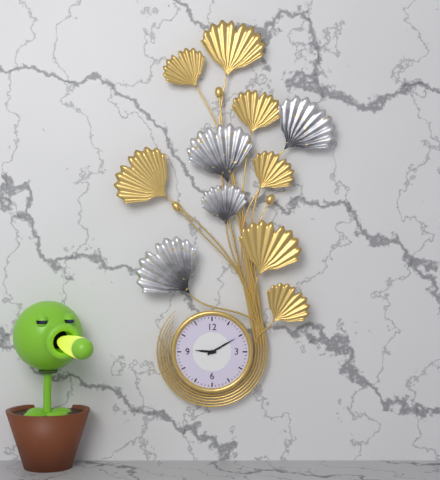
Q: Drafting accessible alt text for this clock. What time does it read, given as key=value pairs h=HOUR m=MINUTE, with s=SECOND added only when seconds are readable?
h=9 m=10
